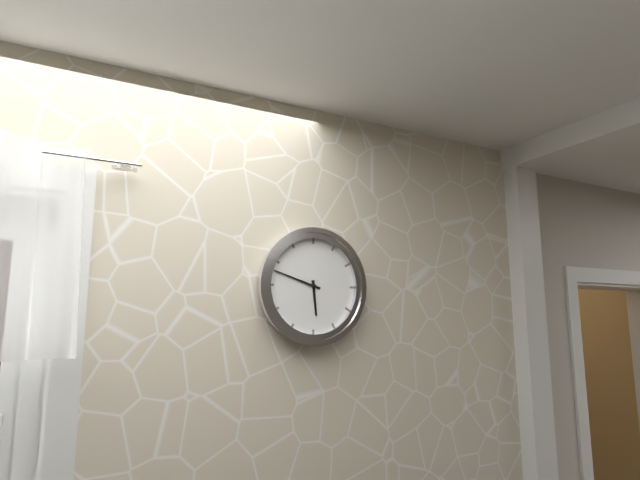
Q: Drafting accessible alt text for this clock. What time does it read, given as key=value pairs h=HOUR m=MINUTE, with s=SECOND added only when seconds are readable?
h=5 m=48
